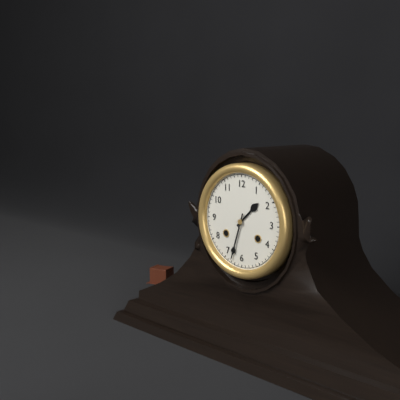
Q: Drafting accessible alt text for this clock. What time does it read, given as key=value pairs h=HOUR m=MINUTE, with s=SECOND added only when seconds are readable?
h=1 m=33
